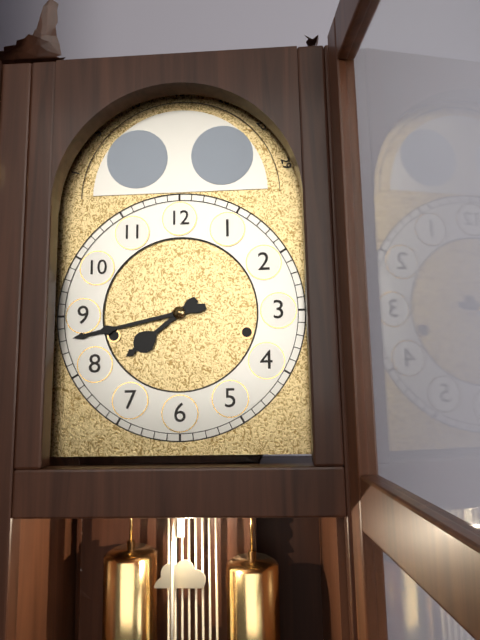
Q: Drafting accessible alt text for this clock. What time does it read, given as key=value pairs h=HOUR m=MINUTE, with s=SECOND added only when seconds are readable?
h=7 m=43
